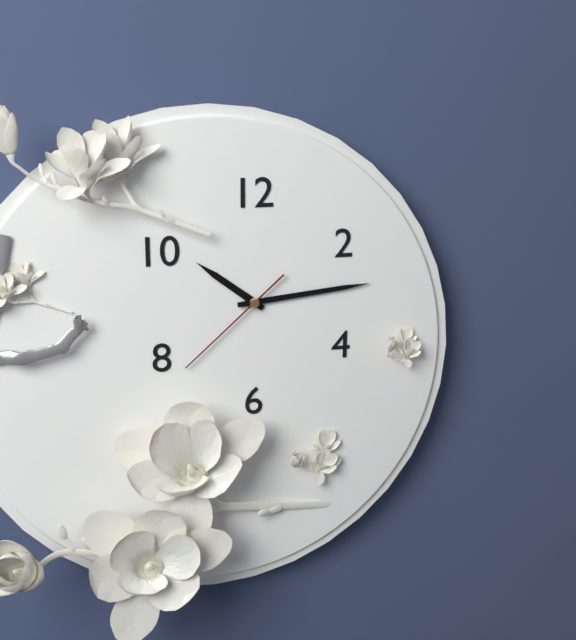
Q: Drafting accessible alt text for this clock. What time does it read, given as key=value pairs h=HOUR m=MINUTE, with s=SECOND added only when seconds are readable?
h=10 m=14 s=38
